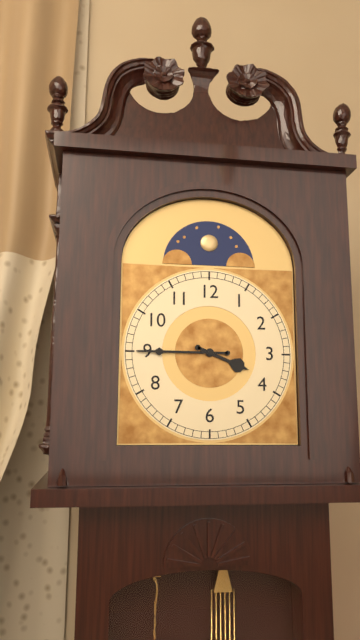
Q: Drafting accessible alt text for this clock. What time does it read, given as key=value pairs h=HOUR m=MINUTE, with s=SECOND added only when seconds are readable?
h=3 m=45
